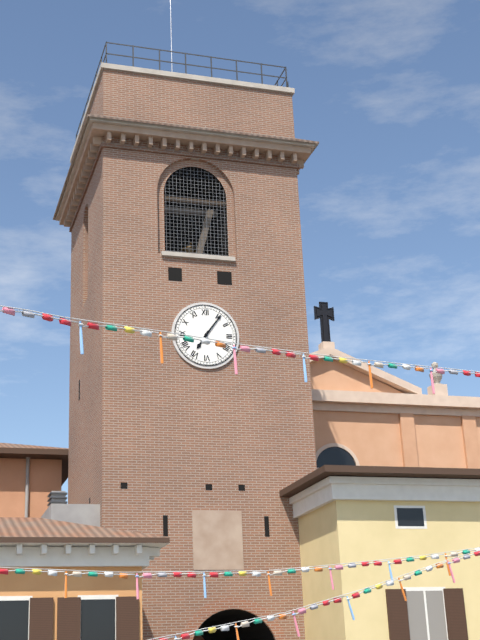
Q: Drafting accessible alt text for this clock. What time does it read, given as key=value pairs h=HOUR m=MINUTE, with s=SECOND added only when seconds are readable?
h=7 m=6
